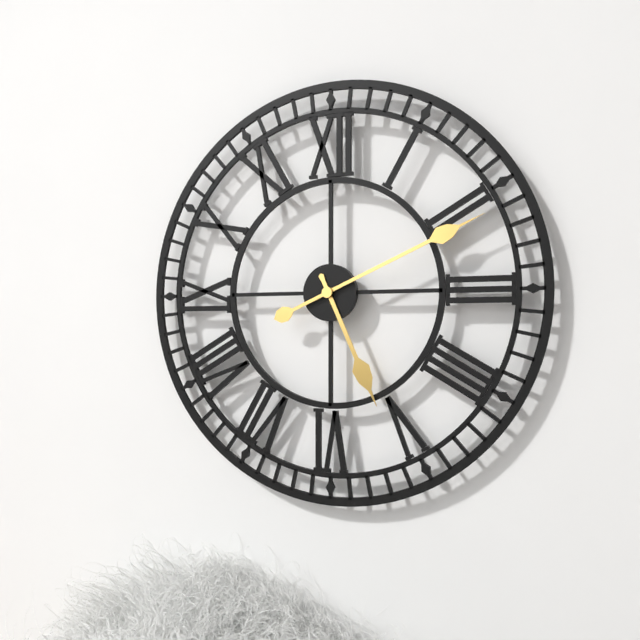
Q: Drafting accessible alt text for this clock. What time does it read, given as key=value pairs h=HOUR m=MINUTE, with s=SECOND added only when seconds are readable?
h=5 m=11
